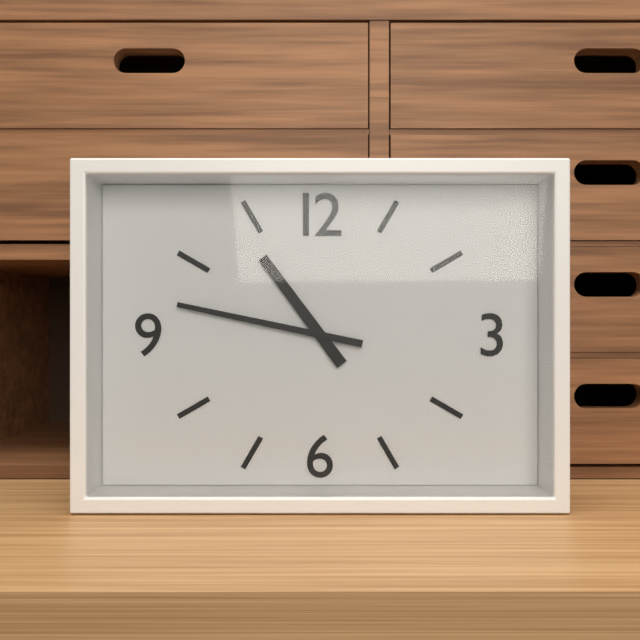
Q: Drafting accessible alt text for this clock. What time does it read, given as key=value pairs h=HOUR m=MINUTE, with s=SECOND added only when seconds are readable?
h=10 m=47
